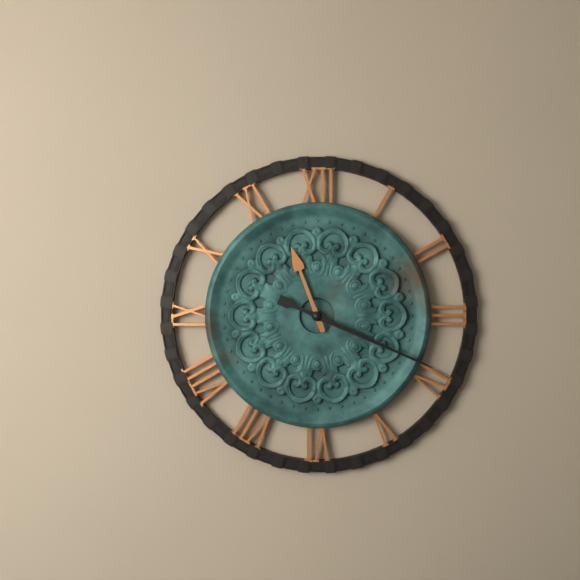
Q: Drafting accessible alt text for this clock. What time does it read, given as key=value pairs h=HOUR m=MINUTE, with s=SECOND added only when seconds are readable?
h=11 m=19
